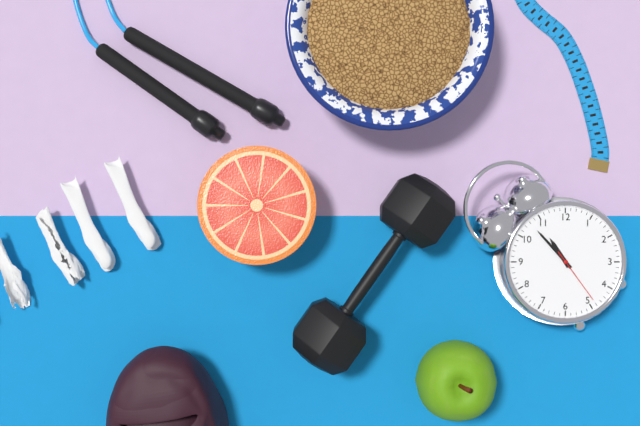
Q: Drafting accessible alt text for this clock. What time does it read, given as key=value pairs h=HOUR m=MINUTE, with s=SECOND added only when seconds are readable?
h=10 m=53 s=24
